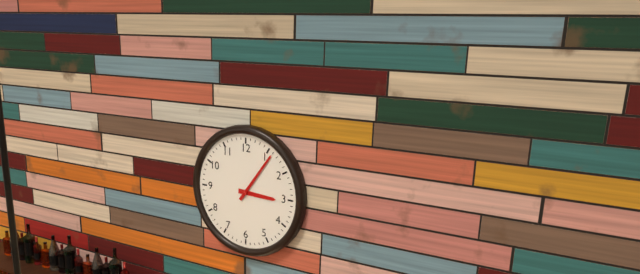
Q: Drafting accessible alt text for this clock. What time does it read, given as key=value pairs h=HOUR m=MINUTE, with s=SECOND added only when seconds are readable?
h=3 m=6
